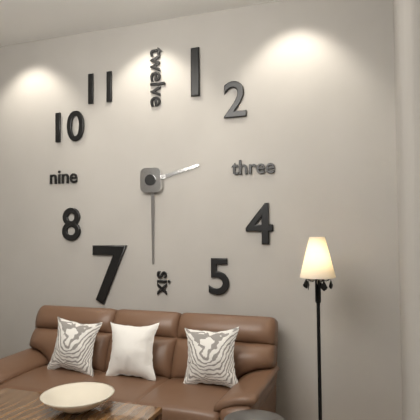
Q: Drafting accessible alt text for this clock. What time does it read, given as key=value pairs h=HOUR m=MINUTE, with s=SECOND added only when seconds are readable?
h=2 m=30
